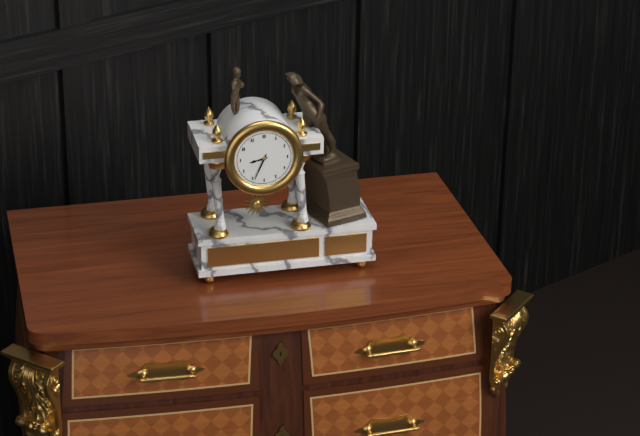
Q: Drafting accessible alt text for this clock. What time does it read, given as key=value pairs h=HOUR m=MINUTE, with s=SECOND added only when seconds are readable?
h=8 m=34
